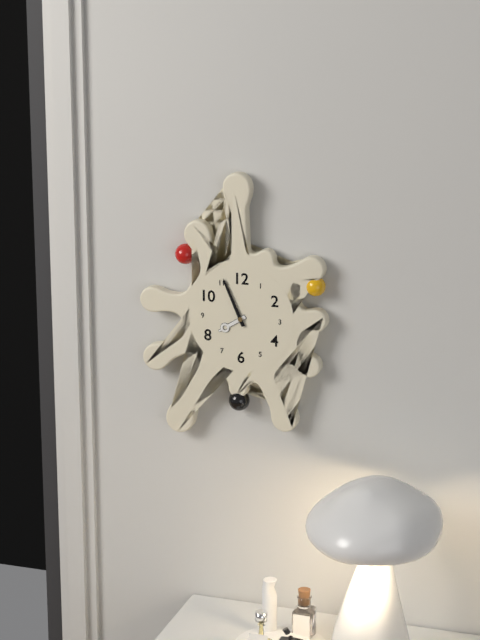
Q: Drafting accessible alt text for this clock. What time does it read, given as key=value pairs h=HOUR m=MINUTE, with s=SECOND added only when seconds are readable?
h=7 m=56
